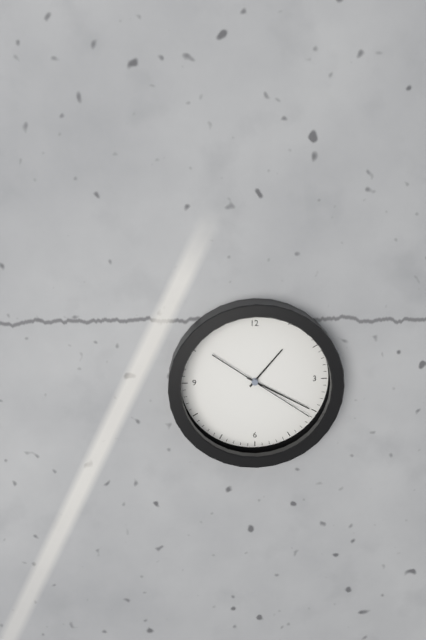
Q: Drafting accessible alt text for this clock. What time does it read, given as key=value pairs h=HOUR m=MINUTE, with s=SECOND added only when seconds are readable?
h=1 m=20 s=21
